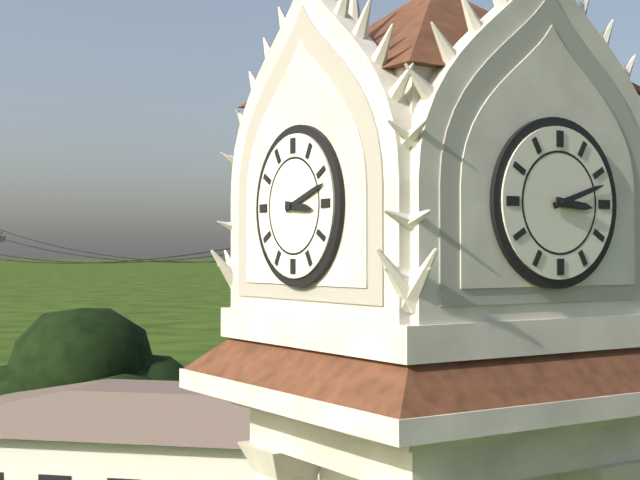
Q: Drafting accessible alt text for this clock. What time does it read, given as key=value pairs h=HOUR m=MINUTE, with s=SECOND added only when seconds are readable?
h=3 m=12
